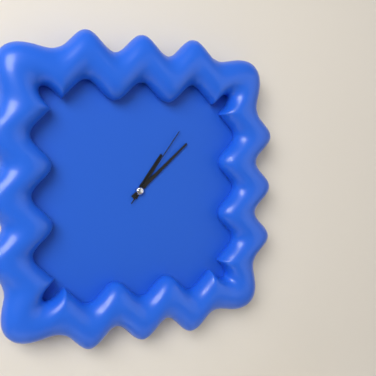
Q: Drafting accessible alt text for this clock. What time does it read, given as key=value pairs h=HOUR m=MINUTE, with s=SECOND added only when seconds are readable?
h=1 m=8 s=6
